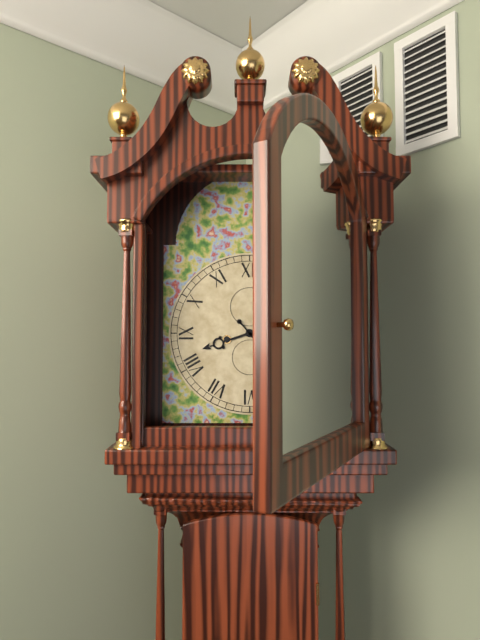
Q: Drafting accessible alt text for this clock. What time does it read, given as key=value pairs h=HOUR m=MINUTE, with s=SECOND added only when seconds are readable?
h=8 m=23
